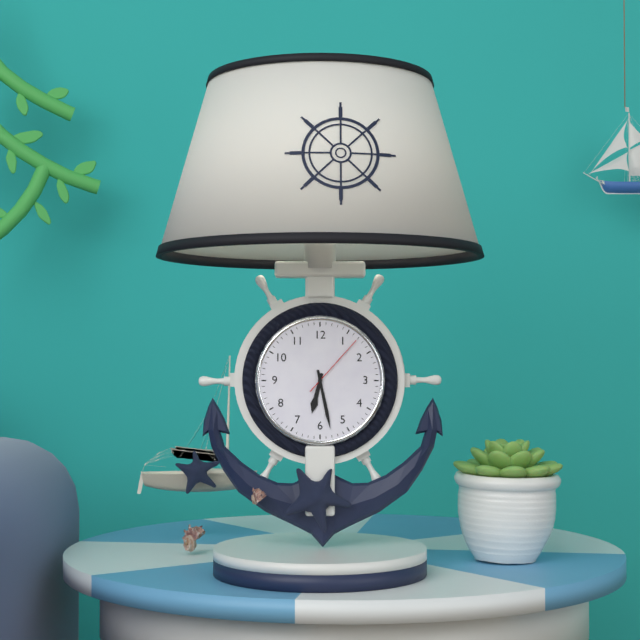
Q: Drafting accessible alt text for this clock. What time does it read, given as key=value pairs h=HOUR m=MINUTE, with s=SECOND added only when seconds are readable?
h=6 m=28 s=7
